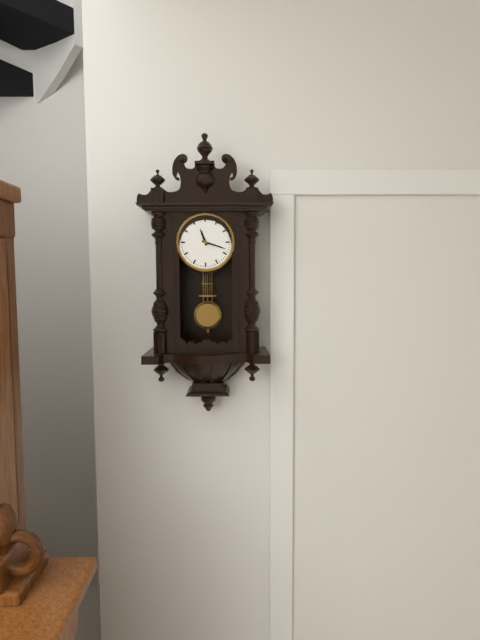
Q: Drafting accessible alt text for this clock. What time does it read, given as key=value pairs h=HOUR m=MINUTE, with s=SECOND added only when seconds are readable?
h=11 m=18
